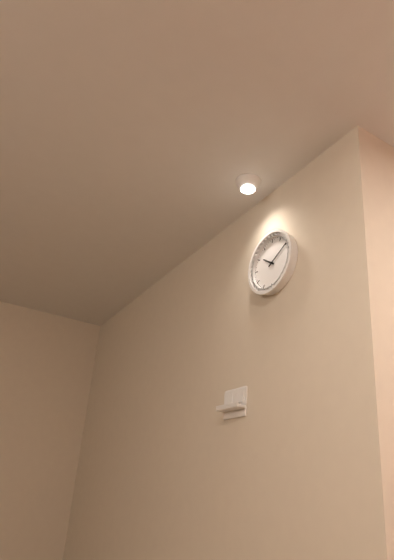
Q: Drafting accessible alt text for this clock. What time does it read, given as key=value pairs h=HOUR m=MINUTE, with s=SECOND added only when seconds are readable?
h=10 m=10
